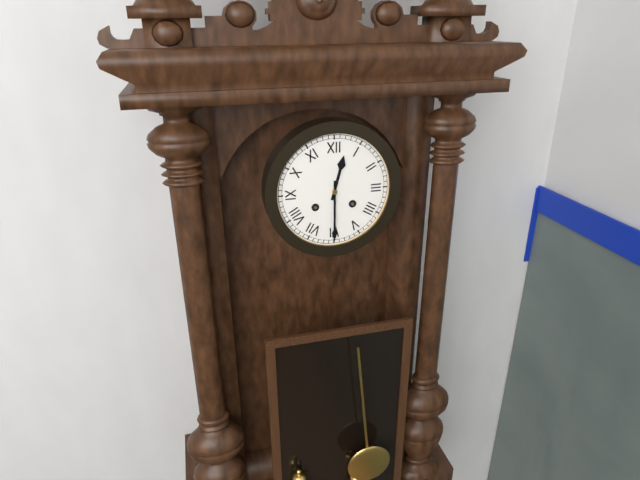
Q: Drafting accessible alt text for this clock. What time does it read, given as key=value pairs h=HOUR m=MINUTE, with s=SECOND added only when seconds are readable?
h=12 m=30
